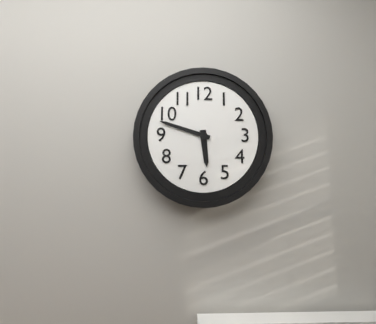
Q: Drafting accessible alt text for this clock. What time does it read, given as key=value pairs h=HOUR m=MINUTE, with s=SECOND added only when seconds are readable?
h=5 m=48
